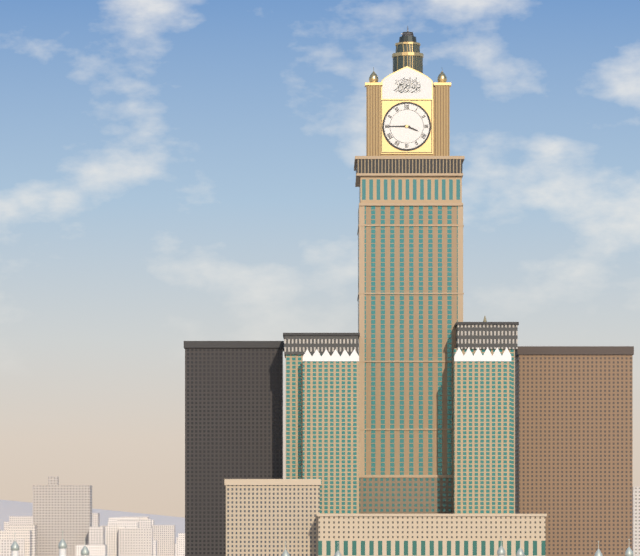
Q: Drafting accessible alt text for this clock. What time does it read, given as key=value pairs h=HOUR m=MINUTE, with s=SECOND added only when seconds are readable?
h=3 m=45
